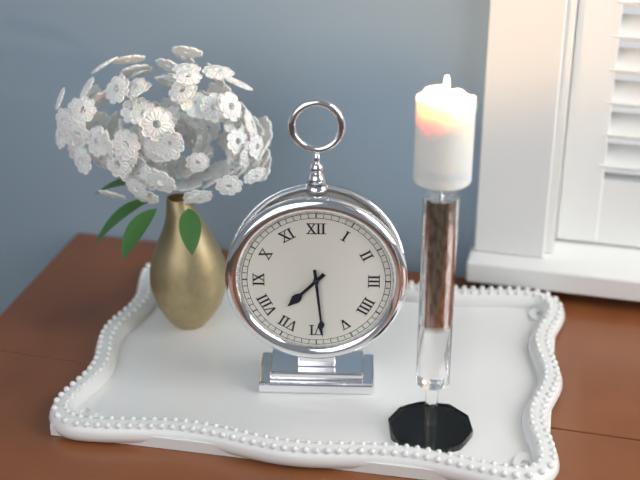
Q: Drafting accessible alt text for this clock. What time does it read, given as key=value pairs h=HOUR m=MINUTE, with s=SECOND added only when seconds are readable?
h=7 m=29
